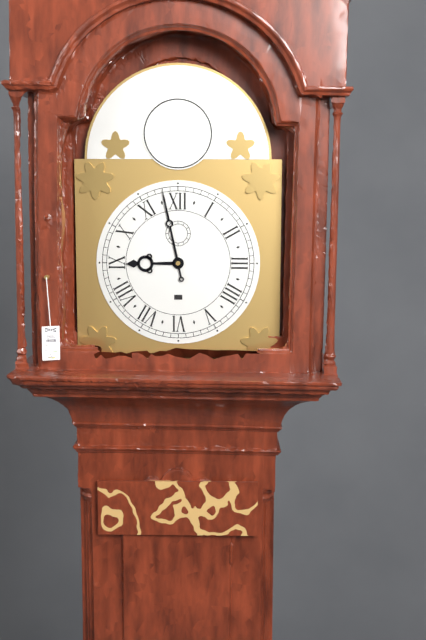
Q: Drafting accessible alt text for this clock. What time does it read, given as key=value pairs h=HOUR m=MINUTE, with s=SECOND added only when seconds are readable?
h=8 m=58
